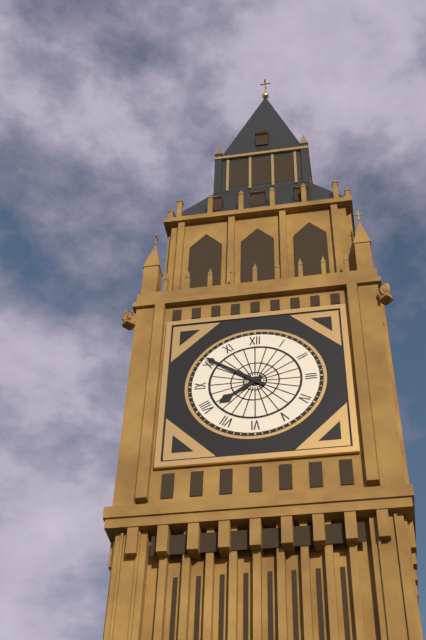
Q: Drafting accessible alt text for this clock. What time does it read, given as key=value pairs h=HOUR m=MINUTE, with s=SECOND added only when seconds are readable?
h=7 m=51
